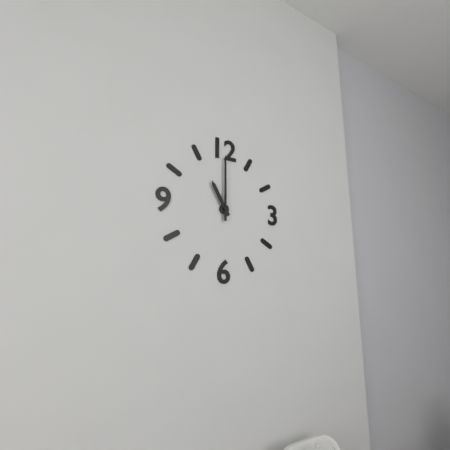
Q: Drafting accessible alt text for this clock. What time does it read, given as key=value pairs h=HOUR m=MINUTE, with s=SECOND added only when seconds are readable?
h=11 m=0
